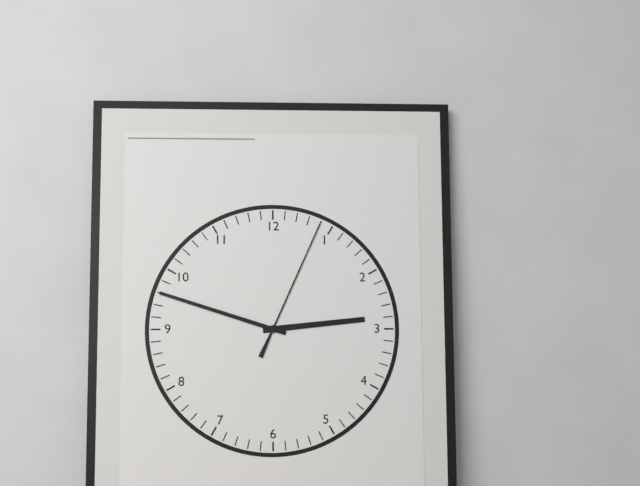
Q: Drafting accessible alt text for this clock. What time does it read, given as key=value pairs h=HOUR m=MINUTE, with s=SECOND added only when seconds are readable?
h=2 m=48 s=4
